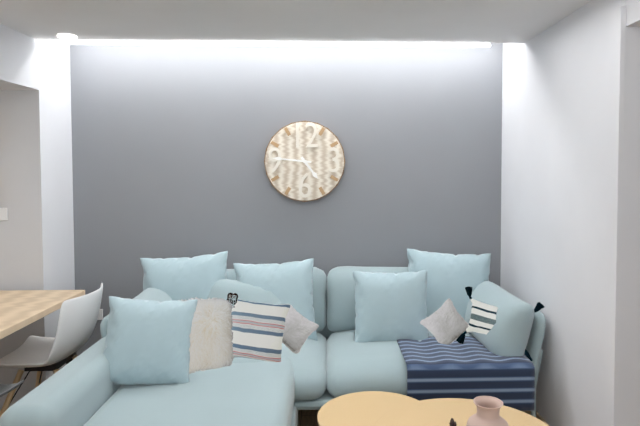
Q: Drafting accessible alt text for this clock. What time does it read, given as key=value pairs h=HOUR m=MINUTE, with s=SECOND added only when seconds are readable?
h=4 m=46
